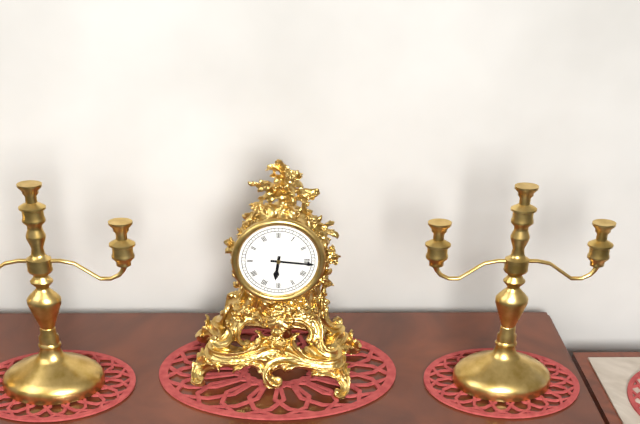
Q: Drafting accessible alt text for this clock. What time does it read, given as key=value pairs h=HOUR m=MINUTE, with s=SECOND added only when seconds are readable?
h=6 m=16
